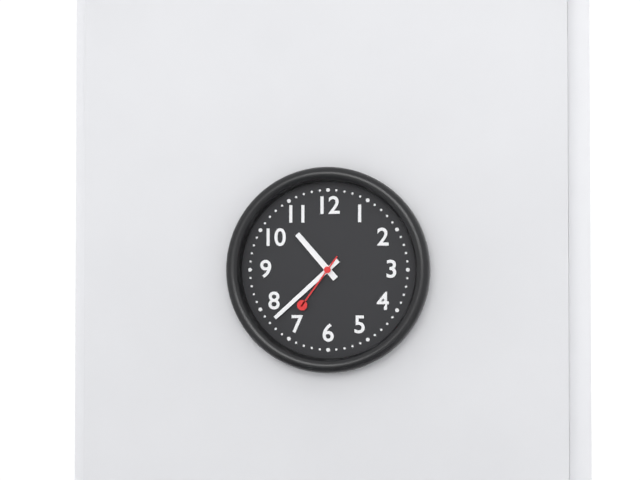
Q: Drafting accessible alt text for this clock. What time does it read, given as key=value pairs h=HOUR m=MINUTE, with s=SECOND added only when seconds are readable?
h=10 m=38 s=36
